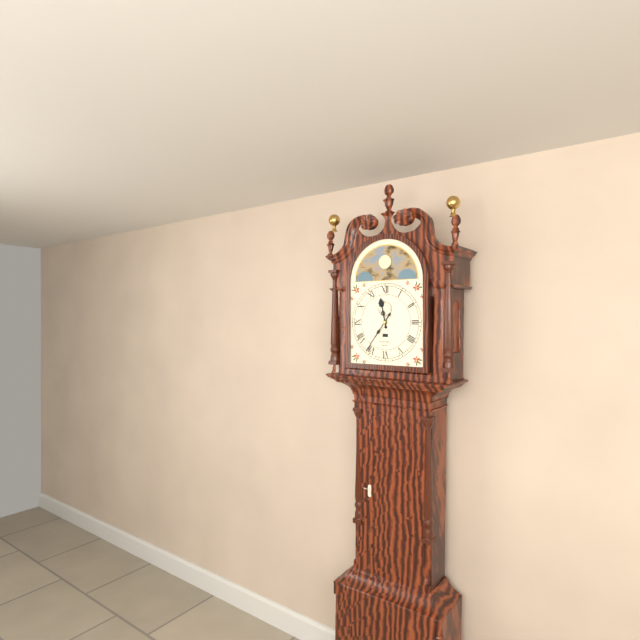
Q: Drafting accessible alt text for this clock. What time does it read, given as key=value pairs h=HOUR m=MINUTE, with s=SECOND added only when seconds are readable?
h=11 m=36
